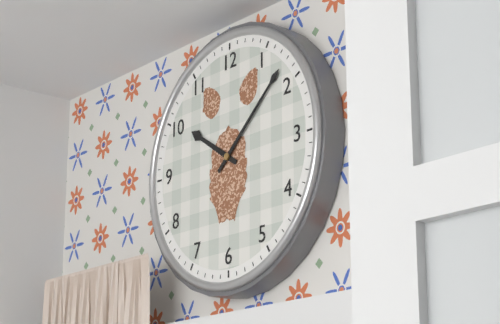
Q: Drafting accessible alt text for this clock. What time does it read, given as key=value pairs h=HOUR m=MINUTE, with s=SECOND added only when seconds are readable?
h=10 m=8
